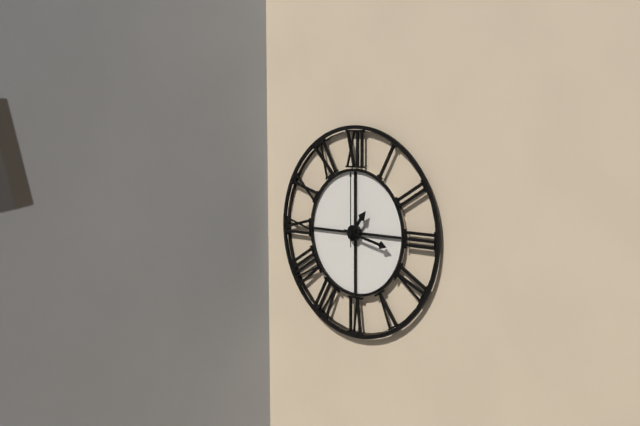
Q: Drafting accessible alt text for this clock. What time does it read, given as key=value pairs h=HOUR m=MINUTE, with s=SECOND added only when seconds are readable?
h=1 m=17 s=0
